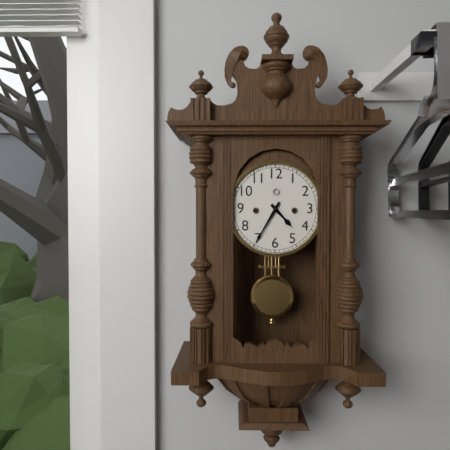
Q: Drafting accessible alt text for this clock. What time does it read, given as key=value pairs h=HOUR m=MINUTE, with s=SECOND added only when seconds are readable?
h=4 m=35
